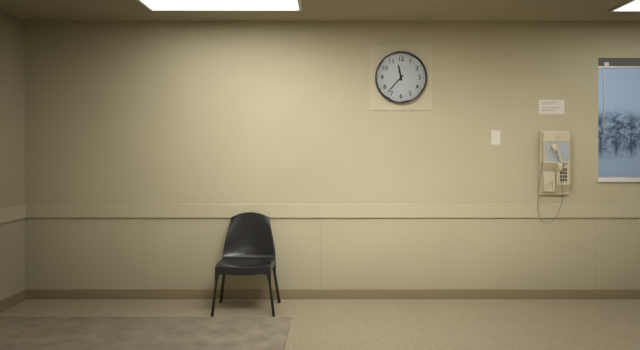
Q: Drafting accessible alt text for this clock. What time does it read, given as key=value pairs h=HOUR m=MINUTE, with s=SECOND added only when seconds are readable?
h=11 m=37
